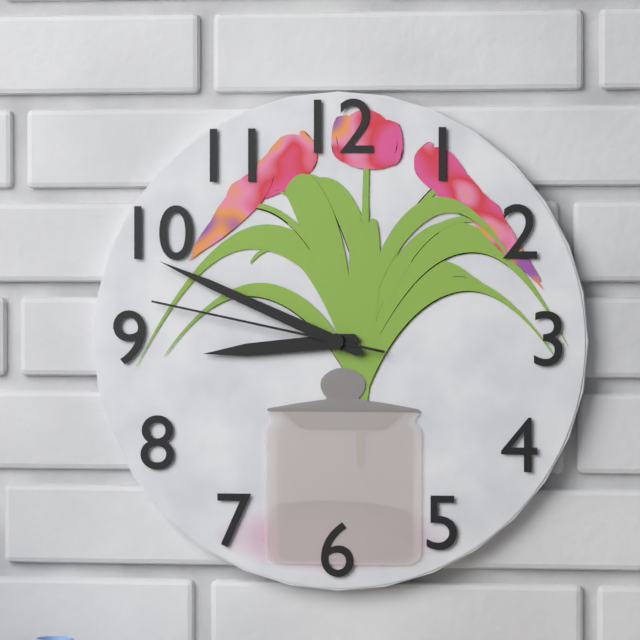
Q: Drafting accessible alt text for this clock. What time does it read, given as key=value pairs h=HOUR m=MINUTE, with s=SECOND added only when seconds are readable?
h=8 m=49 s=47
